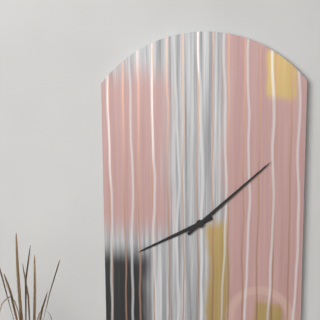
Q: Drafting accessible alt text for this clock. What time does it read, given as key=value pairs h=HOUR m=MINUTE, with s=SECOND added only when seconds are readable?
h=8 m=8
